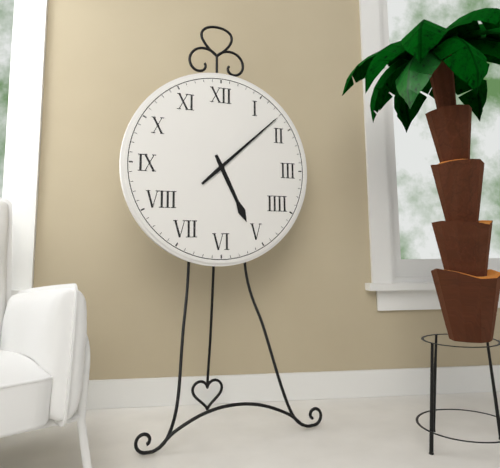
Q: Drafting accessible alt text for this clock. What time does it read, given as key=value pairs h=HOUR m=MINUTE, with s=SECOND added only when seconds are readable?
h=5 m=8
